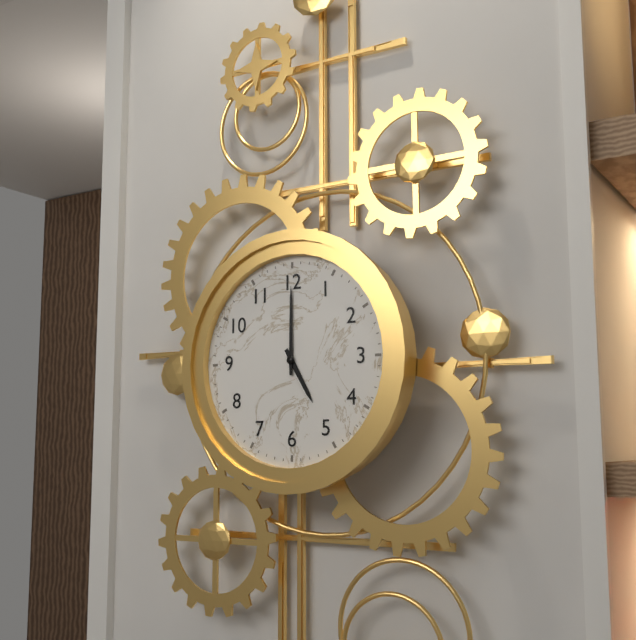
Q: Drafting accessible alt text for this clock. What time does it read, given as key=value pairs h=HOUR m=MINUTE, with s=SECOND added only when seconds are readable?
h=5 m=0
